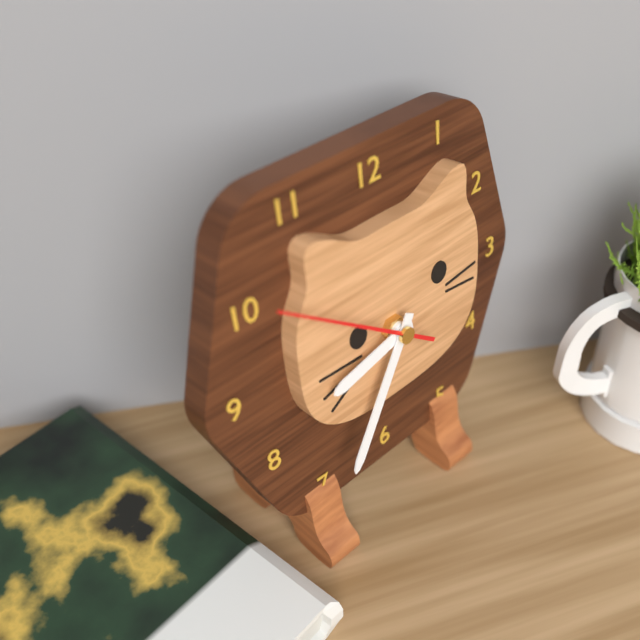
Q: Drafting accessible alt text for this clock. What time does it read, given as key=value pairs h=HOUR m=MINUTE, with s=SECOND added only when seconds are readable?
h=8 m=35 s=51
